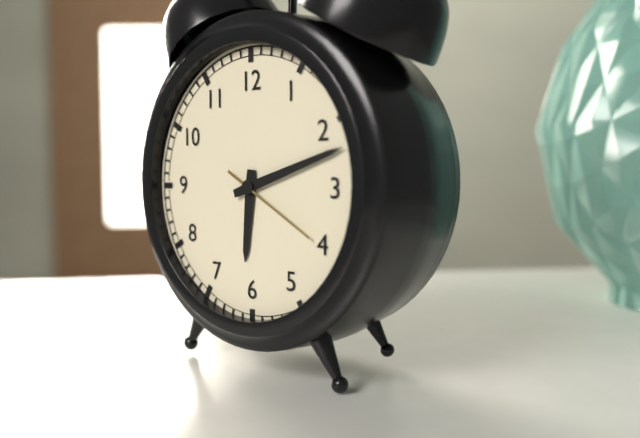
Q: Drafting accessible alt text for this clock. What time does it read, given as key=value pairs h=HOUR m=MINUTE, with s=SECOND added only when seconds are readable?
h=6 m=12 s=20
